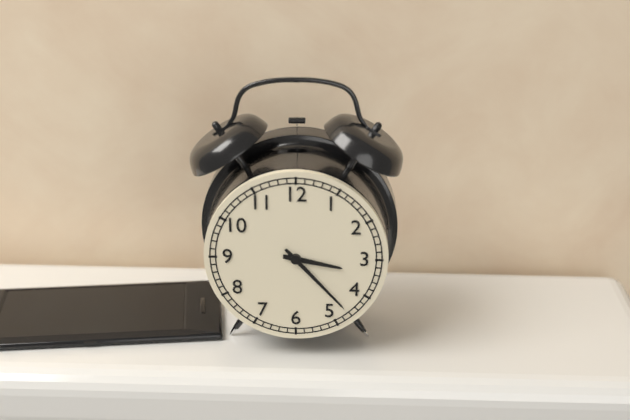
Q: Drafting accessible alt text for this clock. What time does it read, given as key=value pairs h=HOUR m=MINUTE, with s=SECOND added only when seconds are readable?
h=3 m=23
